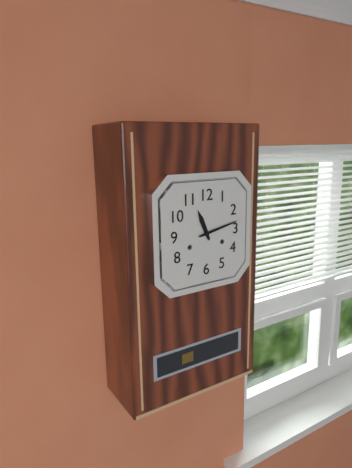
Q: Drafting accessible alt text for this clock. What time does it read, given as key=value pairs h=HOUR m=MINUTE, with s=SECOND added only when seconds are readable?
h=11 m=13
